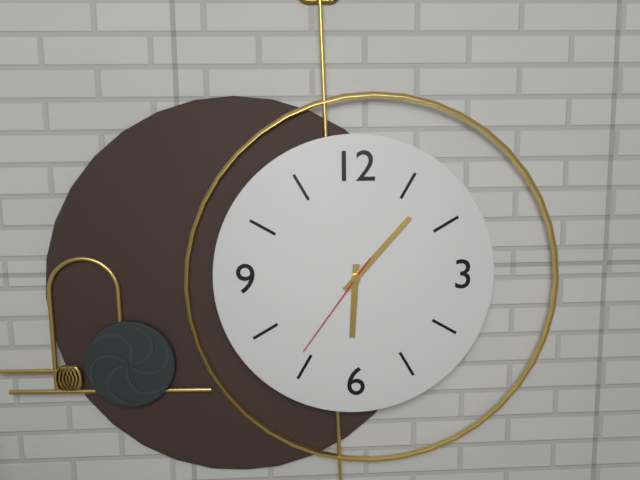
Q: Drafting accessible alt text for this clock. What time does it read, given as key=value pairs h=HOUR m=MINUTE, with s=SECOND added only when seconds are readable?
h=6 m=7 s=36
